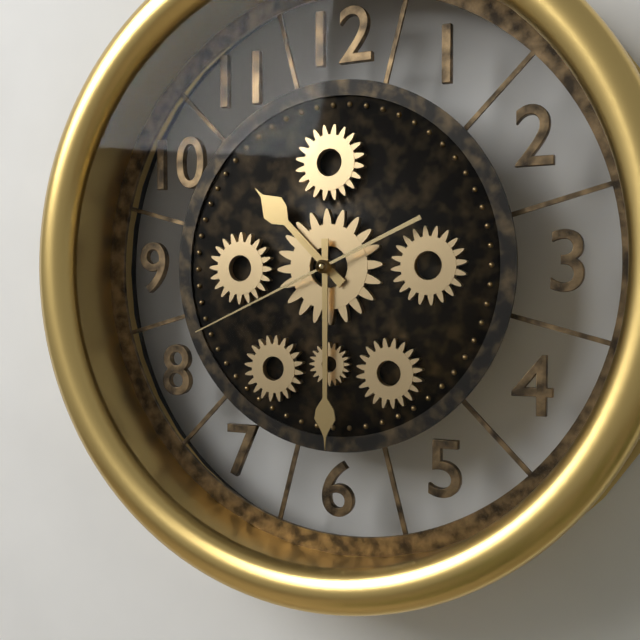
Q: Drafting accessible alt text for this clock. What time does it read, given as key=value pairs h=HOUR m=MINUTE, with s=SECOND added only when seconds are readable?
h=10 m=30 s=41
